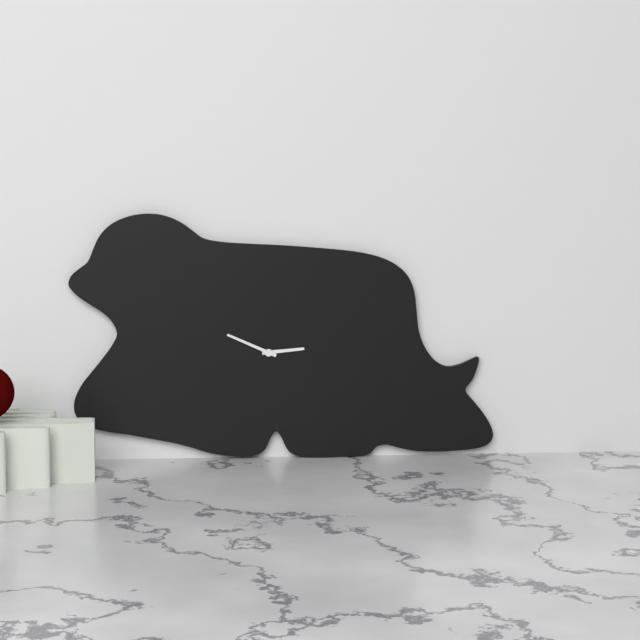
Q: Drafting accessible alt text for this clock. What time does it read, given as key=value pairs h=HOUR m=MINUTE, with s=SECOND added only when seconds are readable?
h=2 m=49
